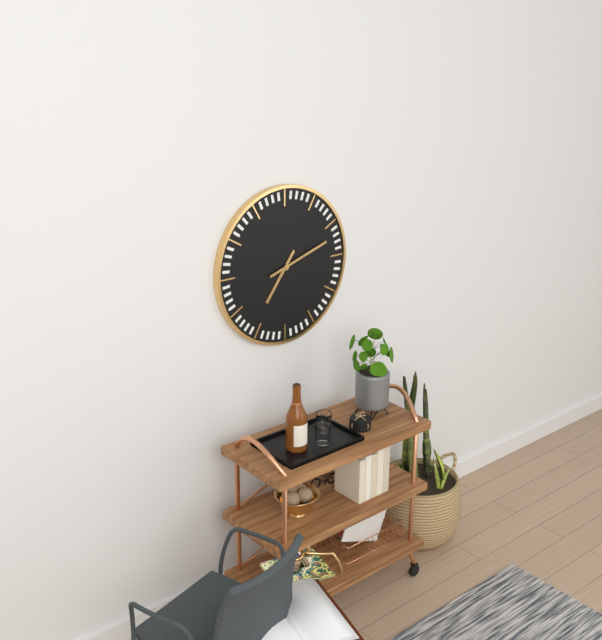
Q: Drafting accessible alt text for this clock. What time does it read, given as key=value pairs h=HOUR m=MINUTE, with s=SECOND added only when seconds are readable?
h=7 m=12
